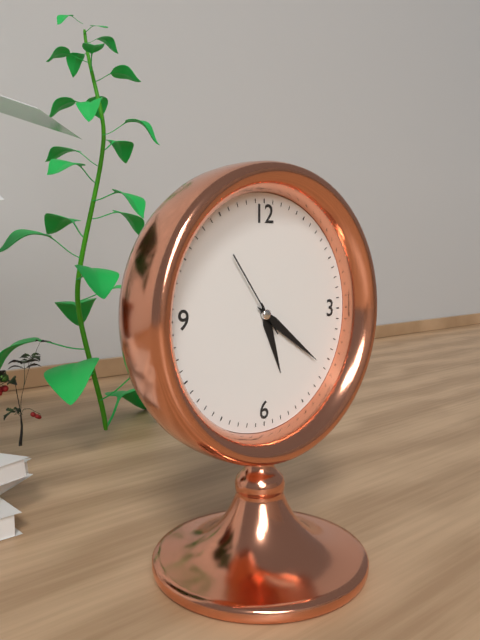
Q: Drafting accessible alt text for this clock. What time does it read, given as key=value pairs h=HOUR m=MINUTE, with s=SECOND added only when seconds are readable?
h=5 m=21 s=54
